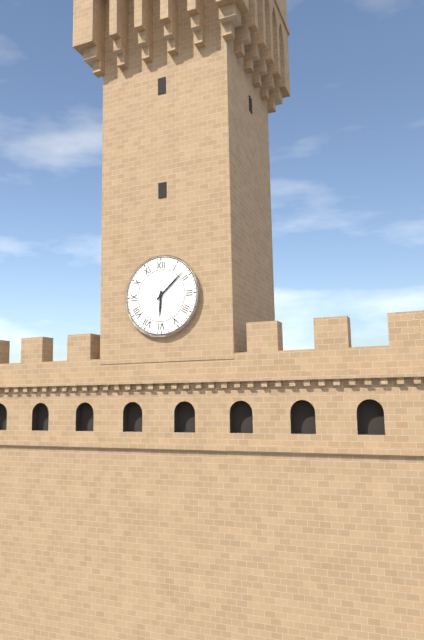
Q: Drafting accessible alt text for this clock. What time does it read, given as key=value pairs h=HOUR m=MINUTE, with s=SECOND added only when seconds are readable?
h=6 m=8
